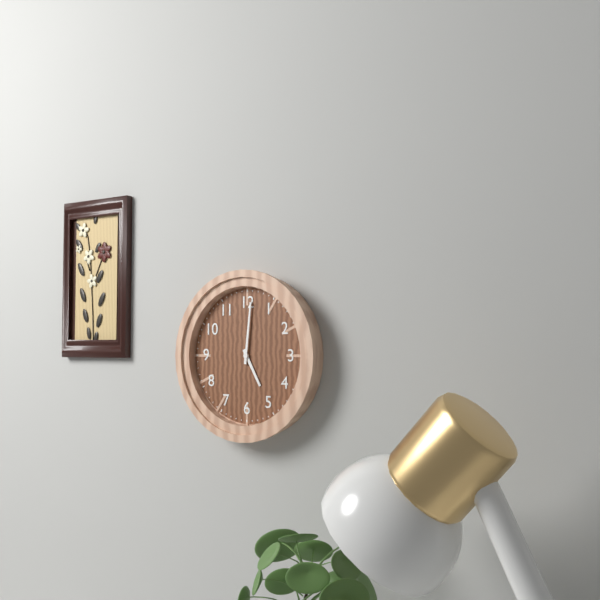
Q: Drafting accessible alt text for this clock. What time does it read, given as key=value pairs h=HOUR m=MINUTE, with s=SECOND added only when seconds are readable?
h=5 m=1
